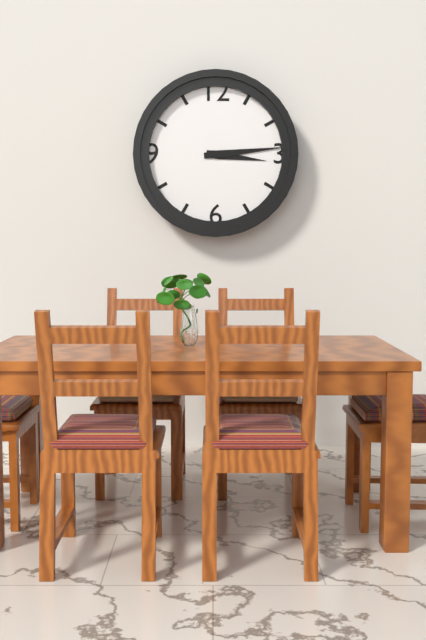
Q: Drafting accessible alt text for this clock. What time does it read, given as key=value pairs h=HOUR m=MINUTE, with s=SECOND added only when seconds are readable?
h=3 m=14
